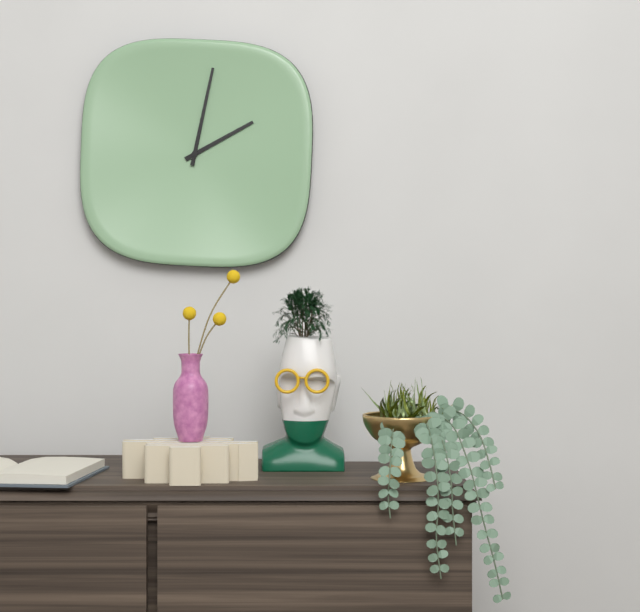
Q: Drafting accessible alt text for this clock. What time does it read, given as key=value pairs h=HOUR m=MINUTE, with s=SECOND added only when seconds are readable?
h=2 m=2
